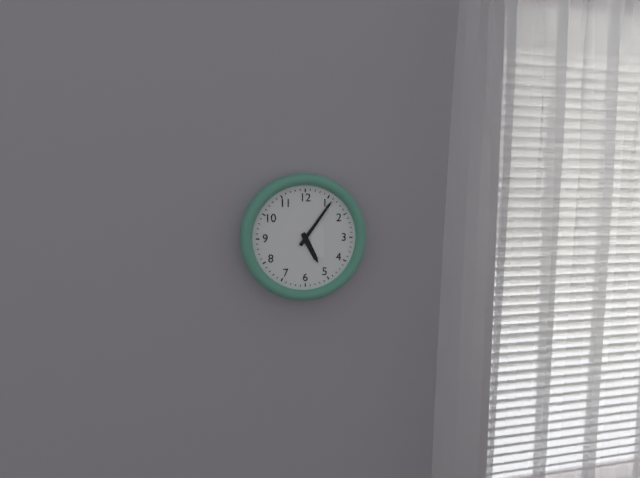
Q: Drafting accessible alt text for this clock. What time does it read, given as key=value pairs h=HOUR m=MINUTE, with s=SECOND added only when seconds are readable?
h=5 m=6
